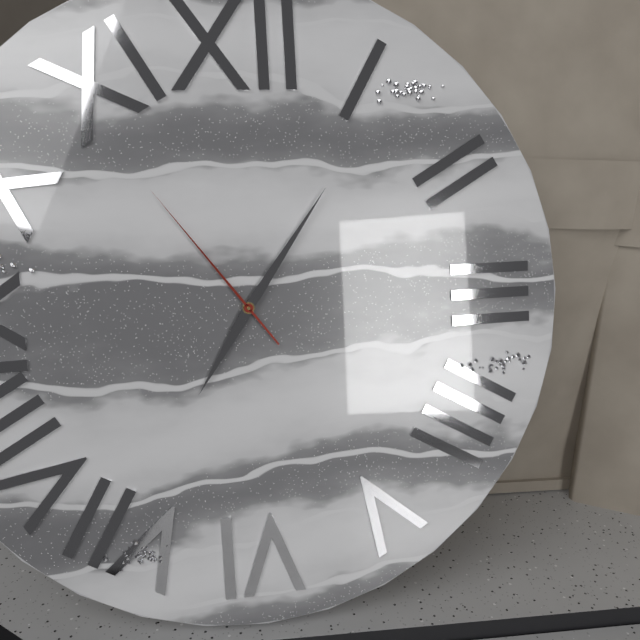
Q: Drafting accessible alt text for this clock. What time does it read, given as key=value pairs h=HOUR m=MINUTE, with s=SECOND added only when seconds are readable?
h=7 m=6 s=54
